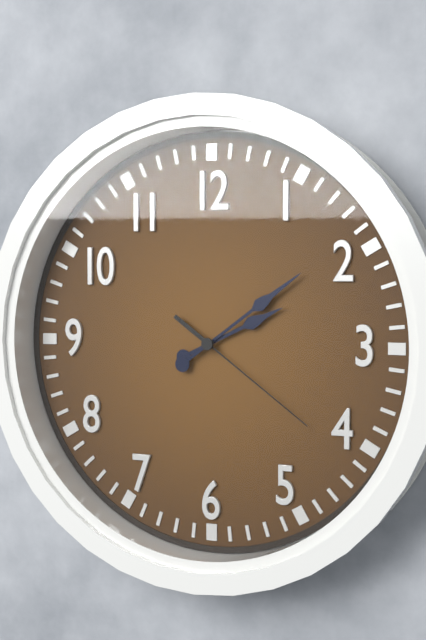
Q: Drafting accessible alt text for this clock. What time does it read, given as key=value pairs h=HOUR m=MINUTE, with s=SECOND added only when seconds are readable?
h=2 m=9 s=21
